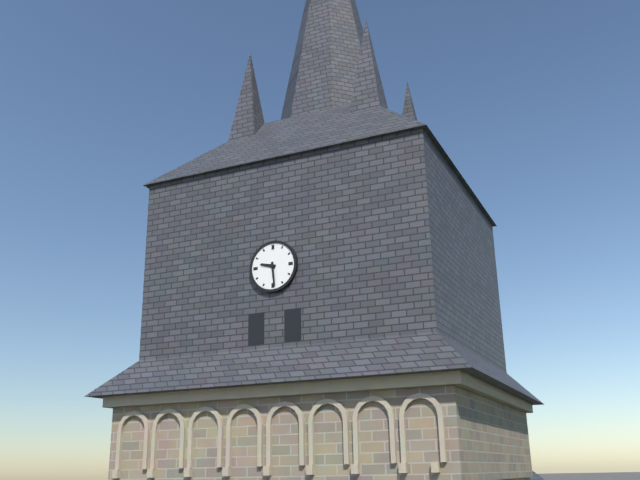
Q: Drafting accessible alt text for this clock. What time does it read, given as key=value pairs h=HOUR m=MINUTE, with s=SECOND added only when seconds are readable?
h=9 m=29
